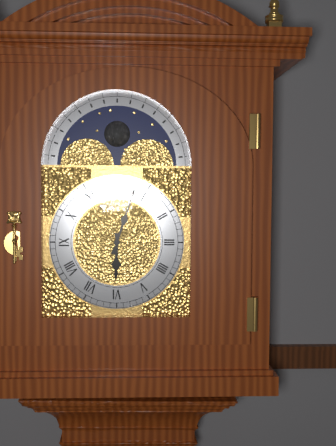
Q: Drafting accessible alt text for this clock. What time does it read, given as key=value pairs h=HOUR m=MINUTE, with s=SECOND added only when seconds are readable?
h=6 m=3
